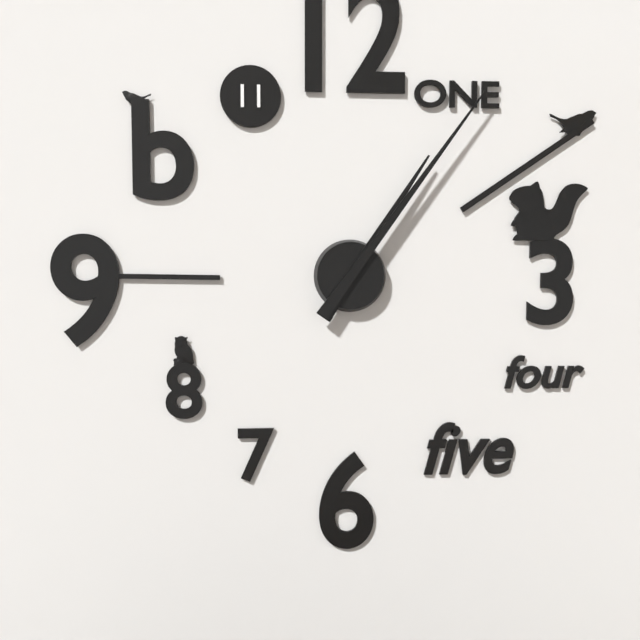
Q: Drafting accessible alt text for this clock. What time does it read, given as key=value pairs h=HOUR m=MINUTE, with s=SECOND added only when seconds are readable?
h=1 m=6
